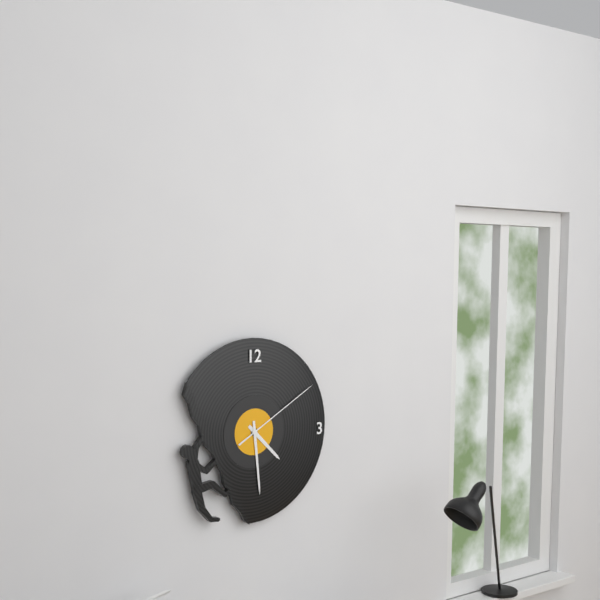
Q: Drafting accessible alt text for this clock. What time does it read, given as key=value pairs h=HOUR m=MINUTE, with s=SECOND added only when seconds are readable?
h=4 m=29 s=10
